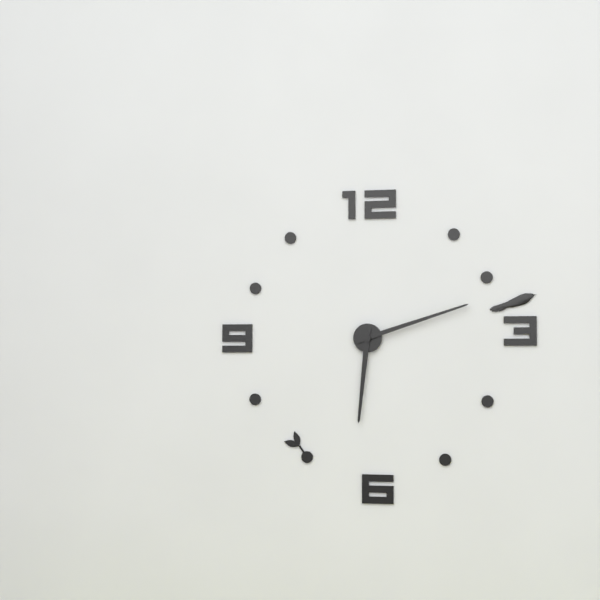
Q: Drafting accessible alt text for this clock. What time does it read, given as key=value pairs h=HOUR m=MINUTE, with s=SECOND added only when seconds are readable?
h=6 m=12
